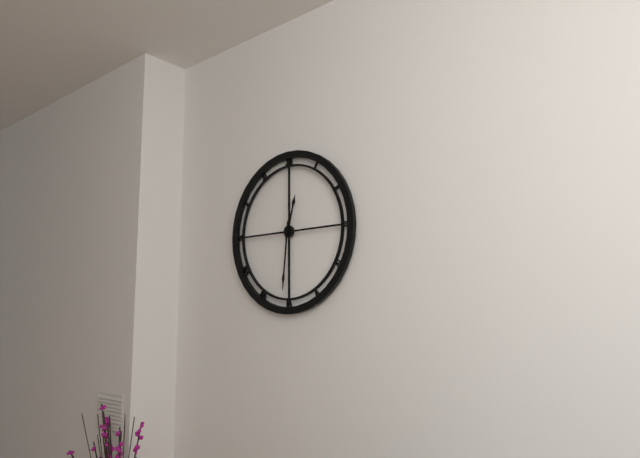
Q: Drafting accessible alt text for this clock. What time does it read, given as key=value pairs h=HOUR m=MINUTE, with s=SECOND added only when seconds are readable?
h=12 m=31
